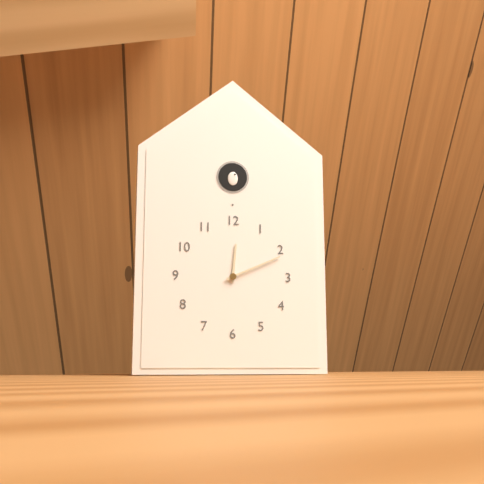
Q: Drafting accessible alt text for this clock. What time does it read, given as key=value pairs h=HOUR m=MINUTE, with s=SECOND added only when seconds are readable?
h=12 m=11
